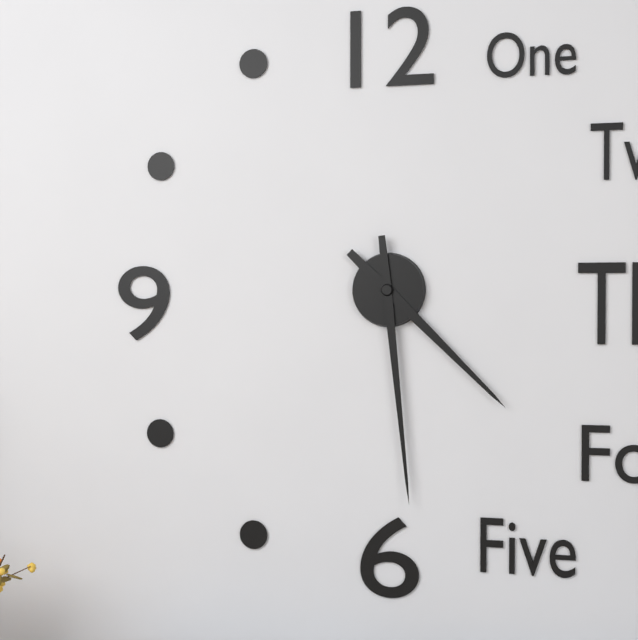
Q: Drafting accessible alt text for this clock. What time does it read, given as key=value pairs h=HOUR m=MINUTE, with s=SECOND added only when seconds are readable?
h=4 m=29
